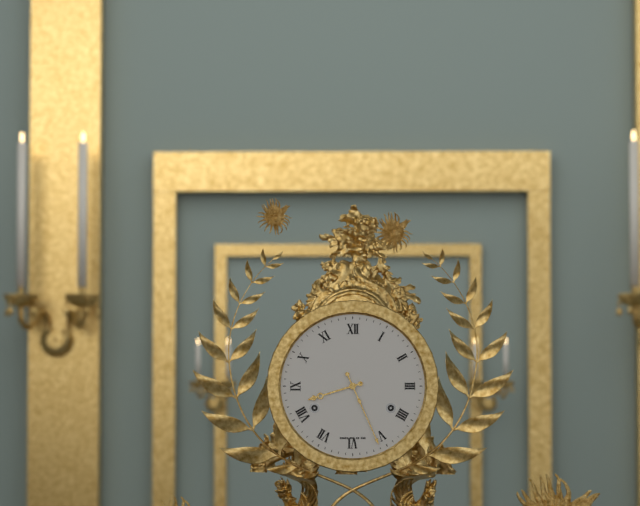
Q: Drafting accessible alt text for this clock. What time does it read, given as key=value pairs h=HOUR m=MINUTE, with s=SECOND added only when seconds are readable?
h=8 m=26
